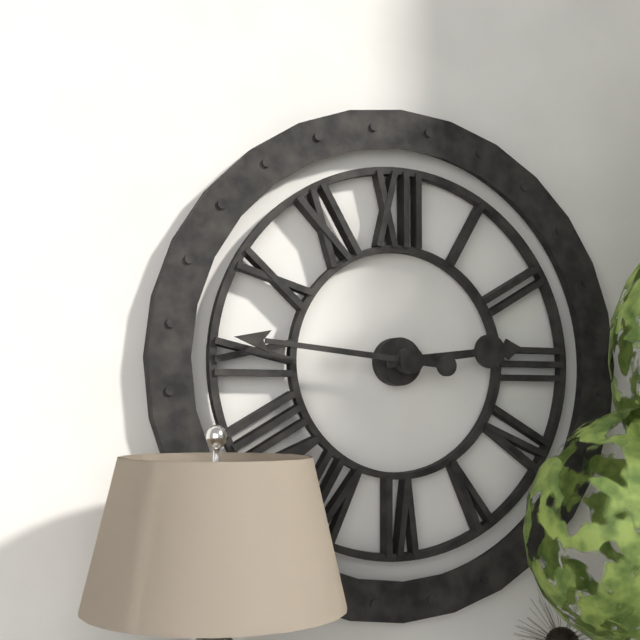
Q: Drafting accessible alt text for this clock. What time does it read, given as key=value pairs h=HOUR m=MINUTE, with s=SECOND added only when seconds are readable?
h=2 m=46
